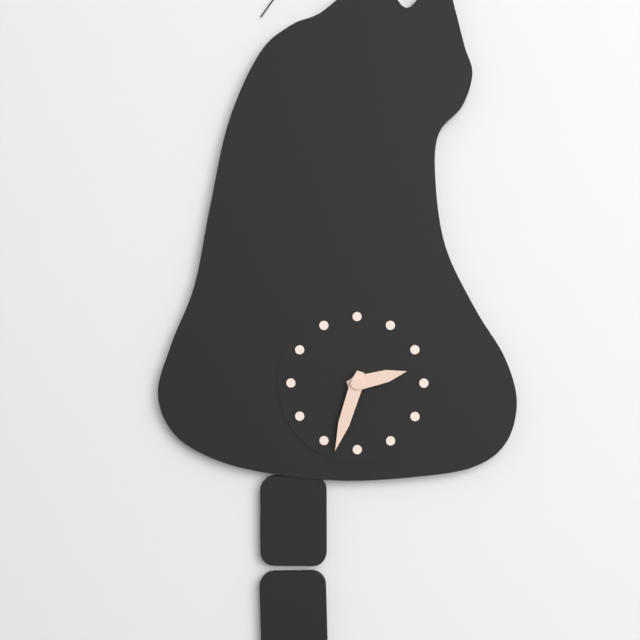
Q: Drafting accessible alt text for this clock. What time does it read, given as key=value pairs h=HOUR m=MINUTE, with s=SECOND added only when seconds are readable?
h=2 m=33
